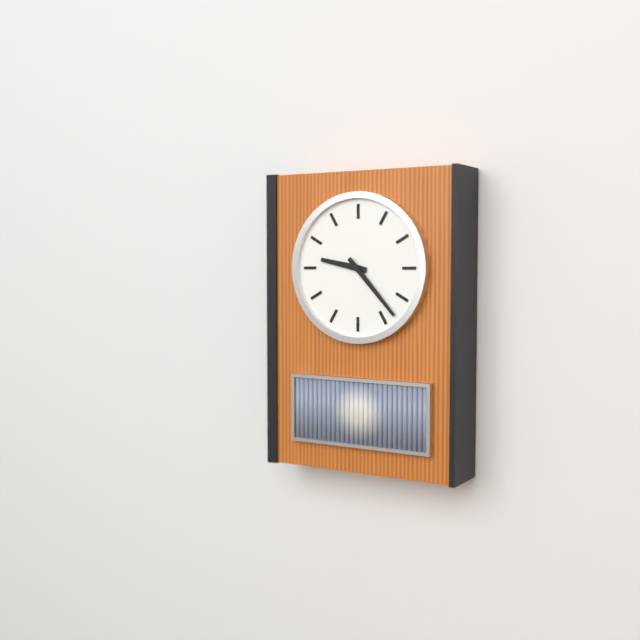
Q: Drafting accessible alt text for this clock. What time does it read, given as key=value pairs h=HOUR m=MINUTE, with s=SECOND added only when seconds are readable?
h=9 m=23
